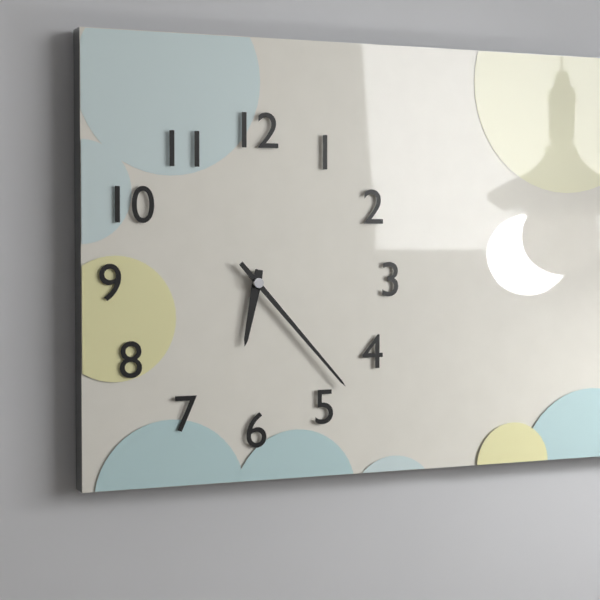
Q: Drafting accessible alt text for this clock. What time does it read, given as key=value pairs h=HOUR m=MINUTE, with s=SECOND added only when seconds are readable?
h=6 m=23
